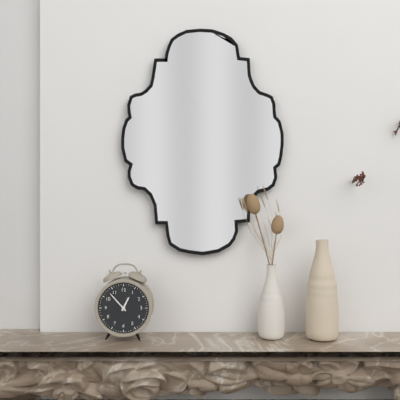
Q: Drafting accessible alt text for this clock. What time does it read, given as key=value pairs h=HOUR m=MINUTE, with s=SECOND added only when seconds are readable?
h=12 m=53
